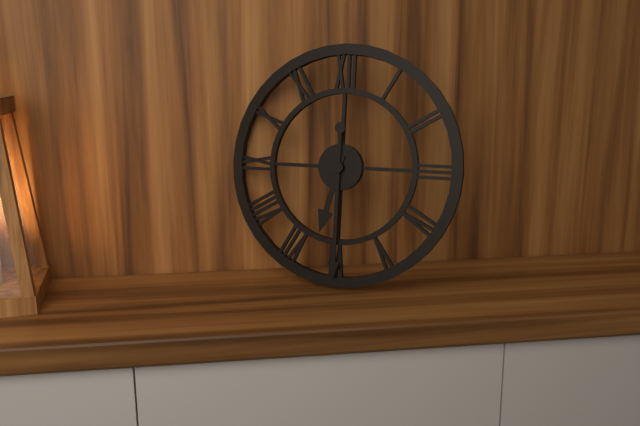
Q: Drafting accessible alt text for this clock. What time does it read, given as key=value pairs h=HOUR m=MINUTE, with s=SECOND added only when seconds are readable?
h=6 m=30
